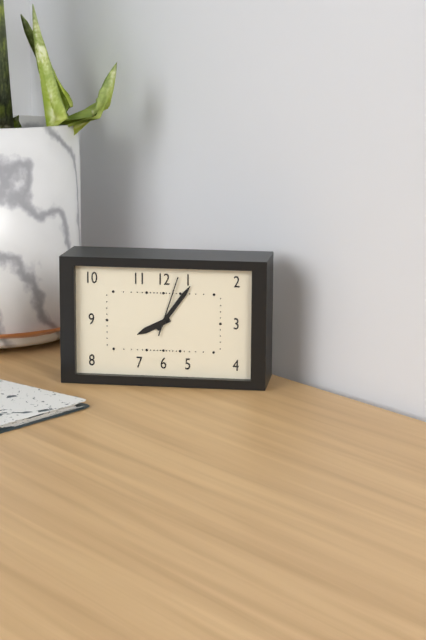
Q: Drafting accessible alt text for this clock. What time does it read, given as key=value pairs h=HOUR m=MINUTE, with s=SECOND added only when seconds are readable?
h=8 m=6 s=3
